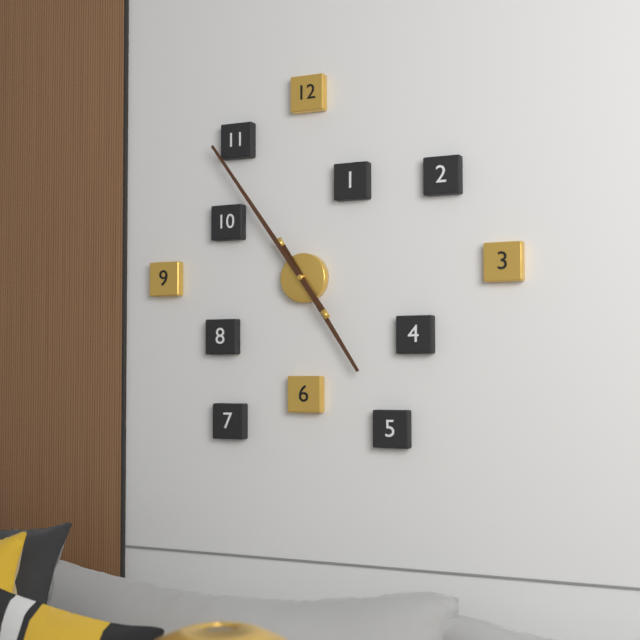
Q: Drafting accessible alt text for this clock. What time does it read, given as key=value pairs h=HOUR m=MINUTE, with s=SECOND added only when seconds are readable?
h=4 m=54
